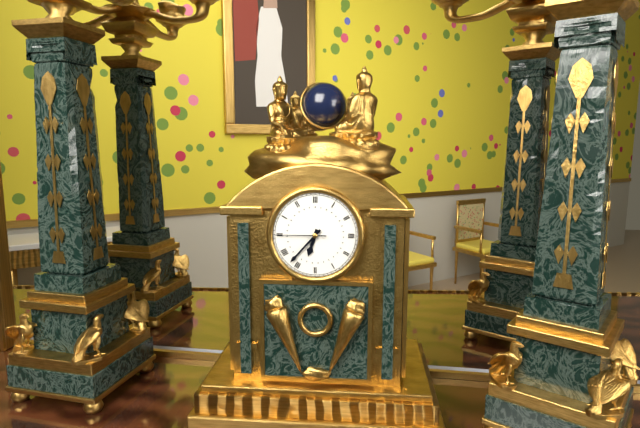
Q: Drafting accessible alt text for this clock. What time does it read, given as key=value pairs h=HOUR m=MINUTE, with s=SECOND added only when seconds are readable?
h=6 m=37 s=45
